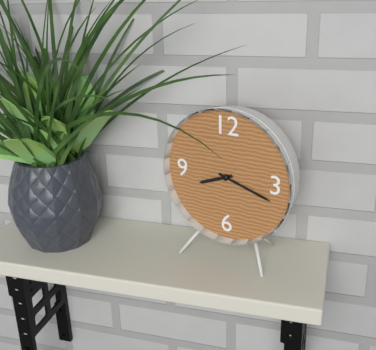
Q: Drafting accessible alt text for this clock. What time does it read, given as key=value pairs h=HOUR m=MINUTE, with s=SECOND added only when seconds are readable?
h=8 m=18
